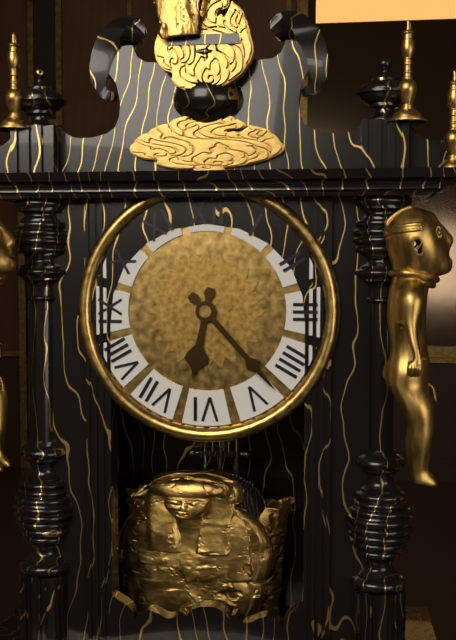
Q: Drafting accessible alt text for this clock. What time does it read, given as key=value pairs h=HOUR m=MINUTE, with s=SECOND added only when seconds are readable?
h=6 m=23
